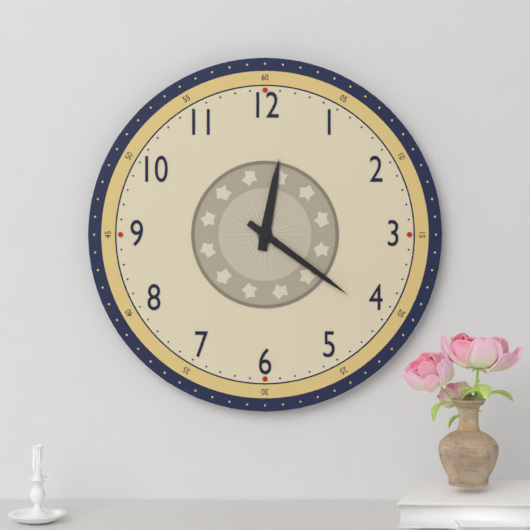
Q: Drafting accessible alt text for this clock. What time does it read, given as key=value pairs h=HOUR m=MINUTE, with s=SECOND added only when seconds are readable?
h=12 m=21
